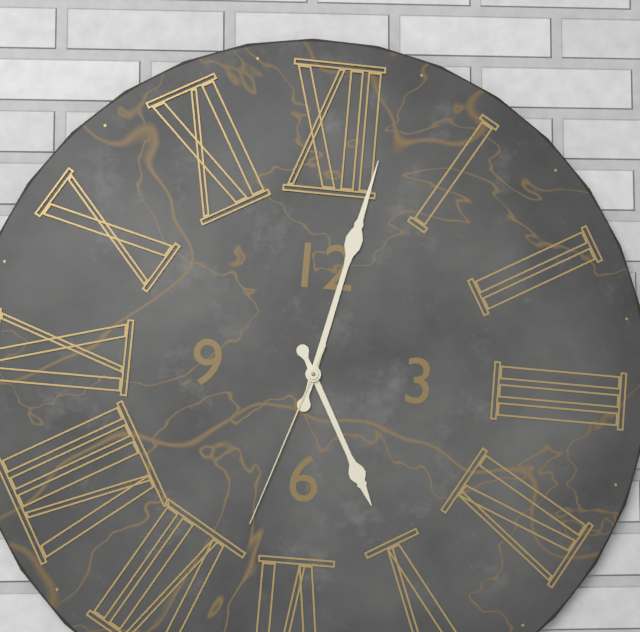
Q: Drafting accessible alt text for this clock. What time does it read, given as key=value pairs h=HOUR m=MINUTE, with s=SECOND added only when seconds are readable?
h=5 m=2 s=33
